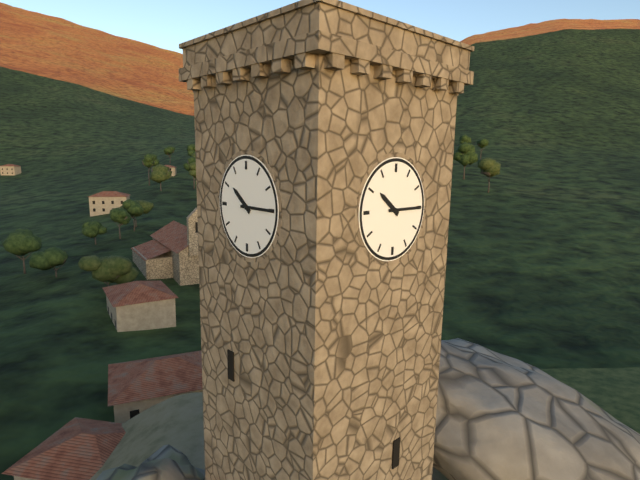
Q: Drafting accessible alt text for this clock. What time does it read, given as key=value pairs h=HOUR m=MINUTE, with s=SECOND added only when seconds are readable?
h=10 m=15
